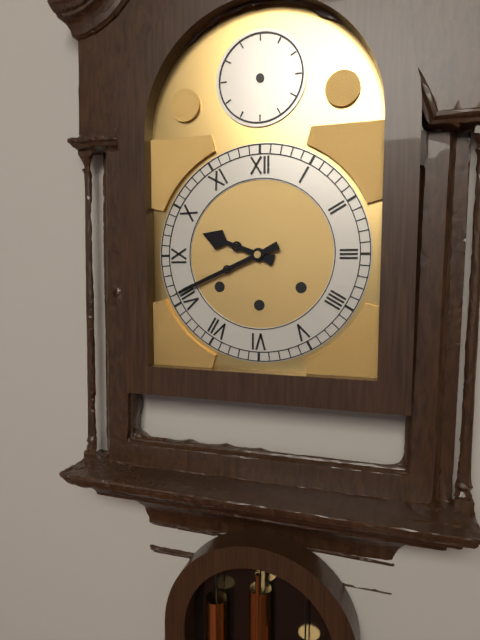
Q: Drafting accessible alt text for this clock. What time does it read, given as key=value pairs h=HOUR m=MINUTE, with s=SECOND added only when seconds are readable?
h=9 m=41
